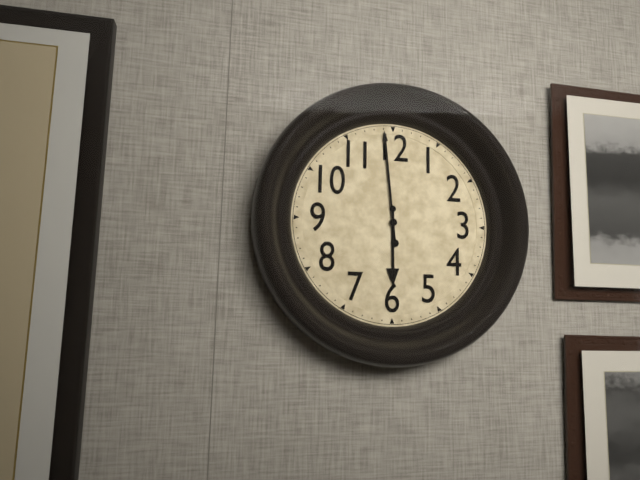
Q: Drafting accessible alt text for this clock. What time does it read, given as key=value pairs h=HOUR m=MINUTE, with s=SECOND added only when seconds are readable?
h=5 m=59
